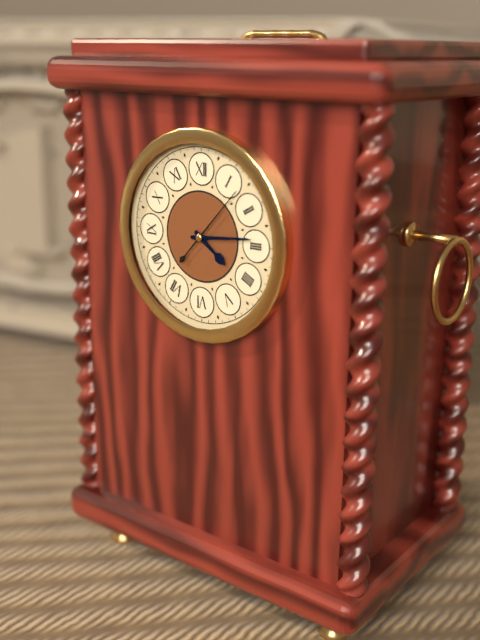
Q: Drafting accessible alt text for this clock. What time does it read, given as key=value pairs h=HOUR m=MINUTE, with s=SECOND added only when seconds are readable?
h=4 m=14 s=7
